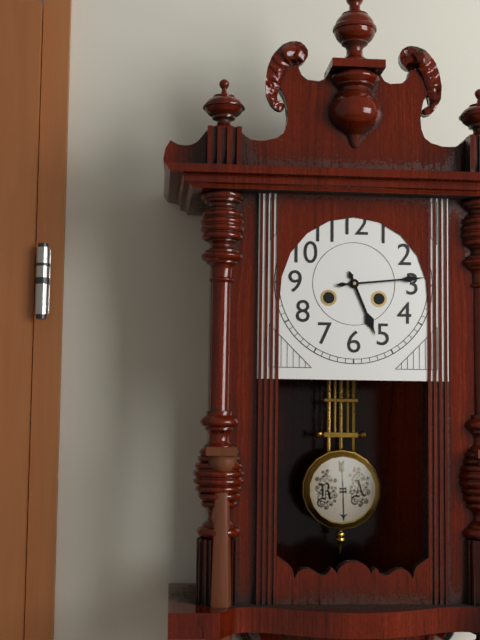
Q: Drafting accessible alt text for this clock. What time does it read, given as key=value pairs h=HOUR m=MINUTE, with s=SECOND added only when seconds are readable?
h=5 m=14
